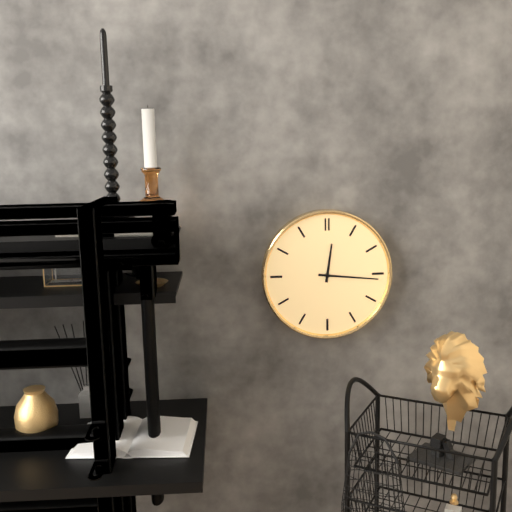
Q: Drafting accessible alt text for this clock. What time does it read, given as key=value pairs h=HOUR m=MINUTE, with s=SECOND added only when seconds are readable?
h=12 m=16
